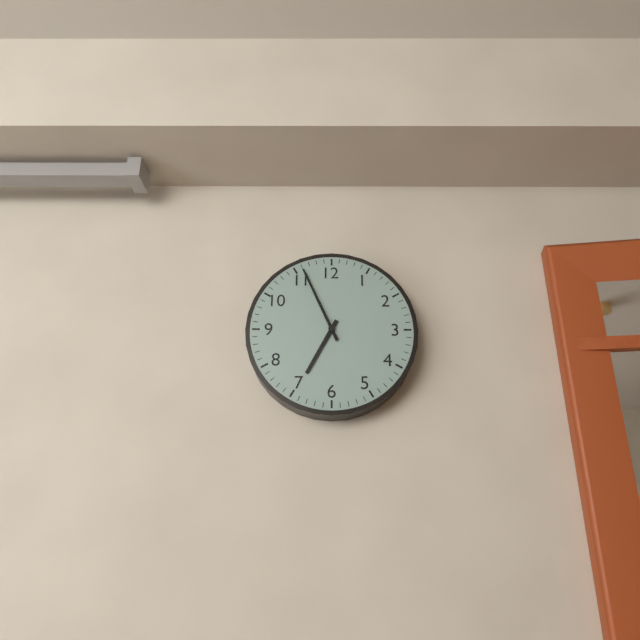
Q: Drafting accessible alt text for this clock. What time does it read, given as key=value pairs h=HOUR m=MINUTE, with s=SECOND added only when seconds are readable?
h=6 m=56
